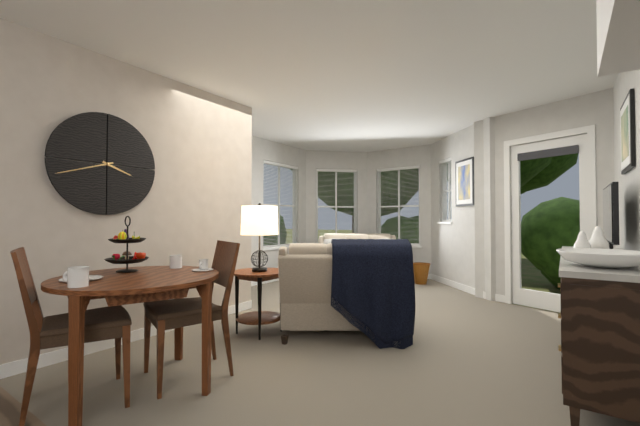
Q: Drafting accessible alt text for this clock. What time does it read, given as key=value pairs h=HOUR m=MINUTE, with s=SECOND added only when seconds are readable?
h=3 m=42
